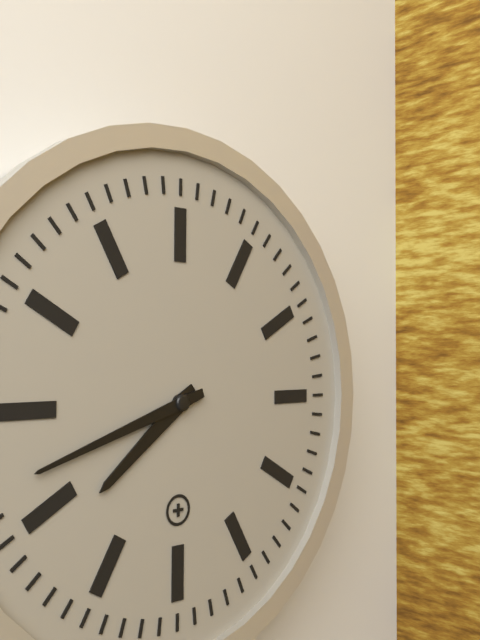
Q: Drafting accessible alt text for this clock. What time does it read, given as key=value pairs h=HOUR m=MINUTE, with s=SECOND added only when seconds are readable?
h=7 m=42
